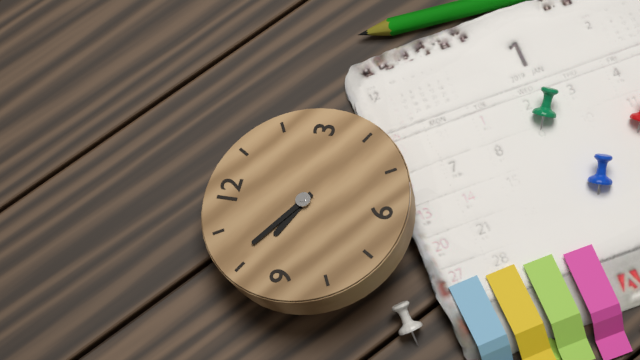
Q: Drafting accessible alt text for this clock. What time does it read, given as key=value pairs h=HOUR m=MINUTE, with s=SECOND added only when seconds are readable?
h=9 m=51
